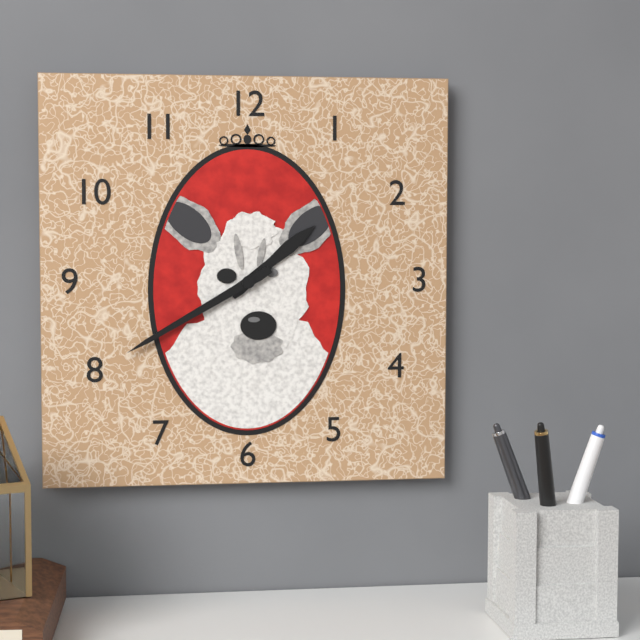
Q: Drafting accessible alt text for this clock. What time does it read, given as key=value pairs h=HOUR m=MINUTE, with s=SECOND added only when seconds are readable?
h=1 m=40
